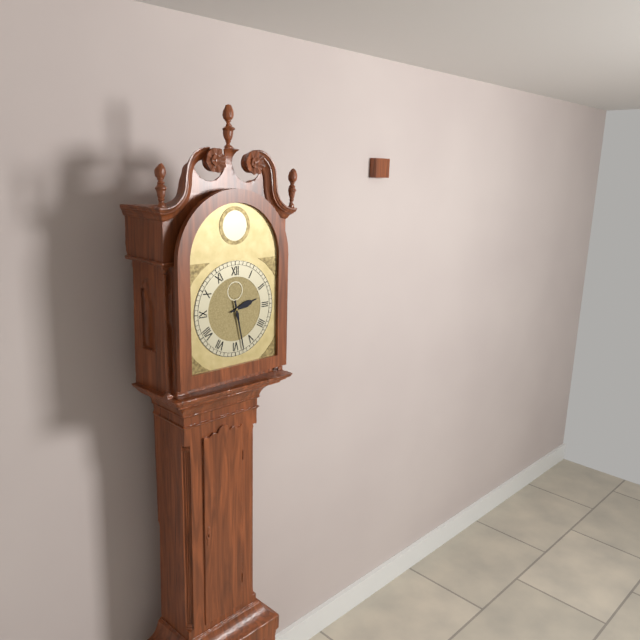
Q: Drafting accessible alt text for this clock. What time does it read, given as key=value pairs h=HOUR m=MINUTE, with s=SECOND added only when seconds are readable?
h=2 m=28
